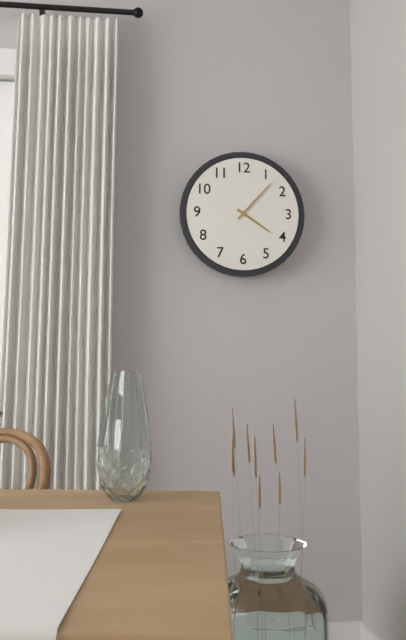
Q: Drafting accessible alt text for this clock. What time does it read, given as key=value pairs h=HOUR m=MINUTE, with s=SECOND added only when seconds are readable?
h=4 m=7
